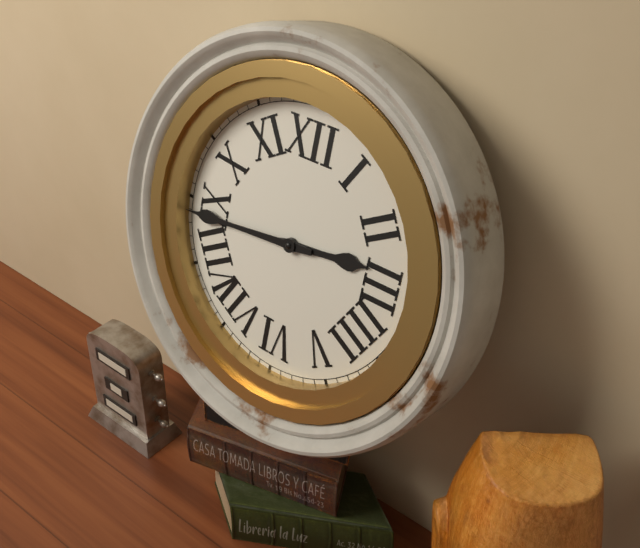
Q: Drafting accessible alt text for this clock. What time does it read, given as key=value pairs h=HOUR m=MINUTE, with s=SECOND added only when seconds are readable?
h=2 m=44
